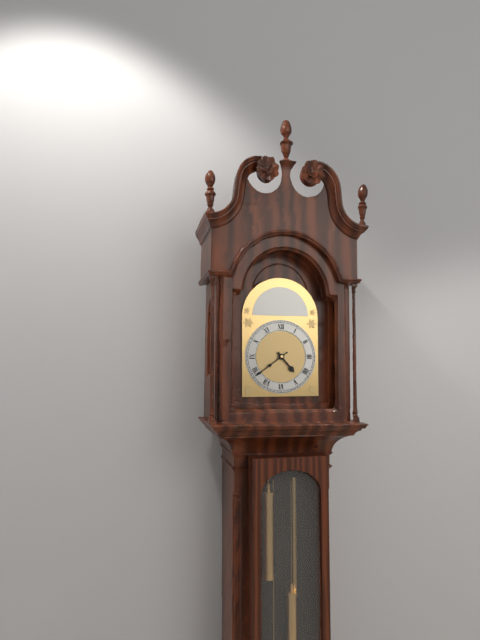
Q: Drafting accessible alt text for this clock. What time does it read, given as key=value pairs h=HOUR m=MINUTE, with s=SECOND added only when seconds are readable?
h=4 m=39
